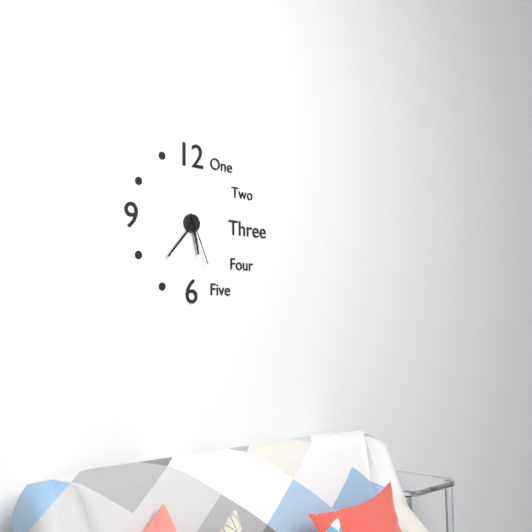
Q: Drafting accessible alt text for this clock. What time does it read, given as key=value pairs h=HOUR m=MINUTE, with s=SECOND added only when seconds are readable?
h=5 m=37 s=26
